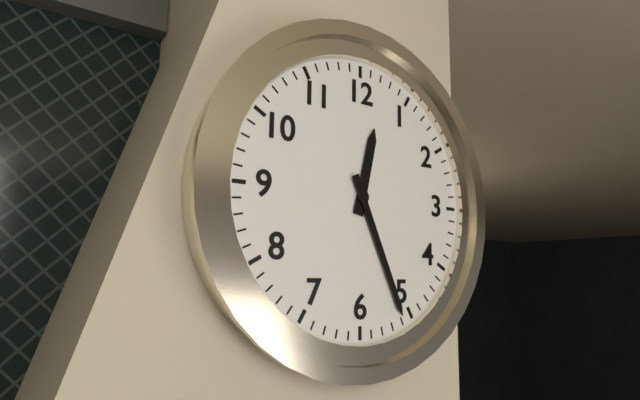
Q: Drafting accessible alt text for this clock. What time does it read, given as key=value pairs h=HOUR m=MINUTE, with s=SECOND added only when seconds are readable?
h=12 m=26
